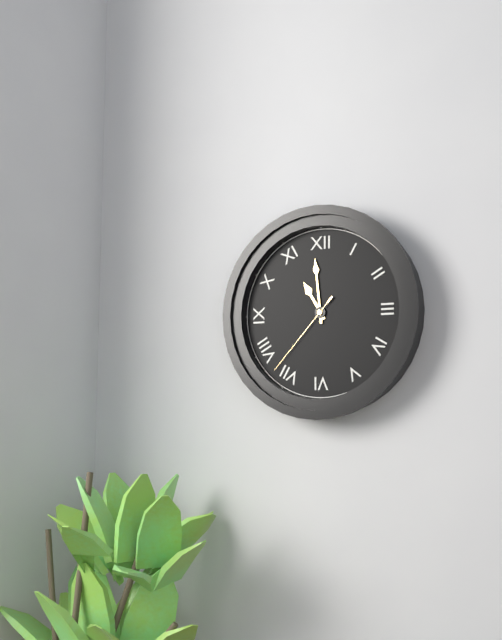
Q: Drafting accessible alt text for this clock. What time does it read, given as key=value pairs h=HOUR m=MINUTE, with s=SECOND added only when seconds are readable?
h=10 m=59 s=37
